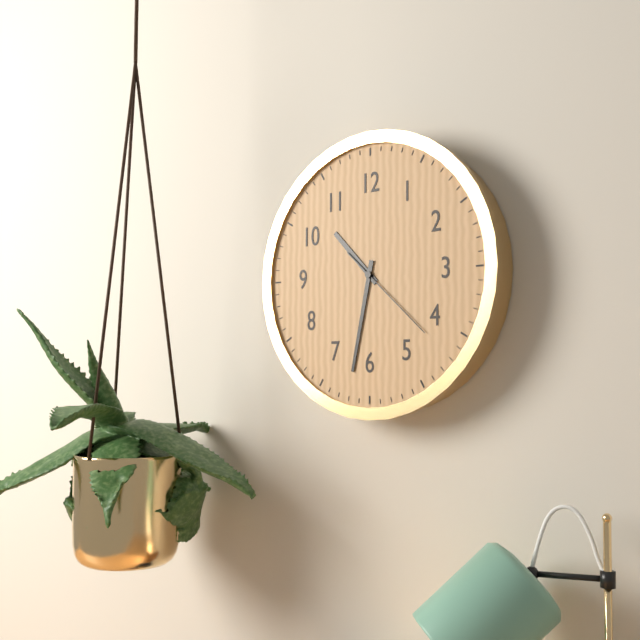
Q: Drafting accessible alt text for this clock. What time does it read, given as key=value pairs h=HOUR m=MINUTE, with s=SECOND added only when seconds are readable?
h=10 m=32 s=22
